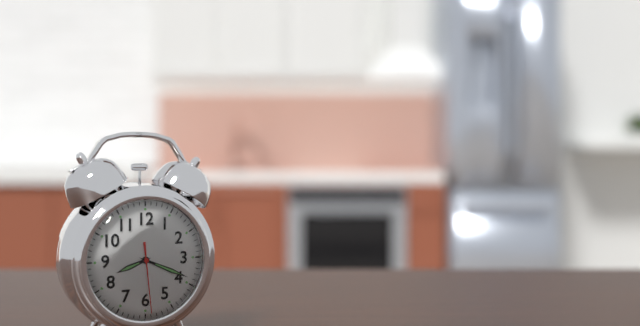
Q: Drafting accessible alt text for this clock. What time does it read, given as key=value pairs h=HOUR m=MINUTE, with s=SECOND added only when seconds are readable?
h=8 m=19 s=29
